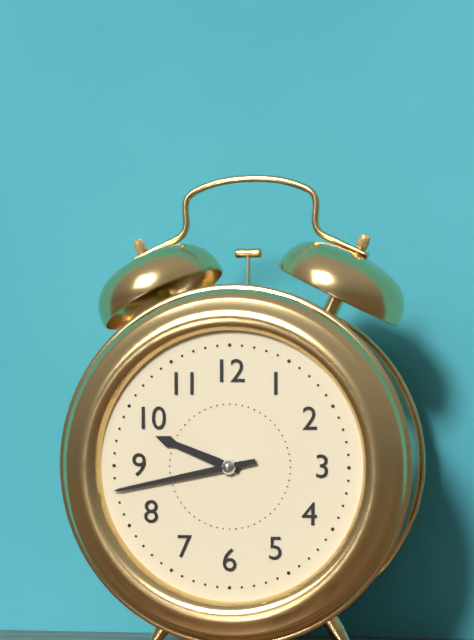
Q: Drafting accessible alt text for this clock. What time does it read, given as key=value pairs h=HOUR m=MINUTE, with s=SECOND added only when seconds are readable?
h=9 m=43
